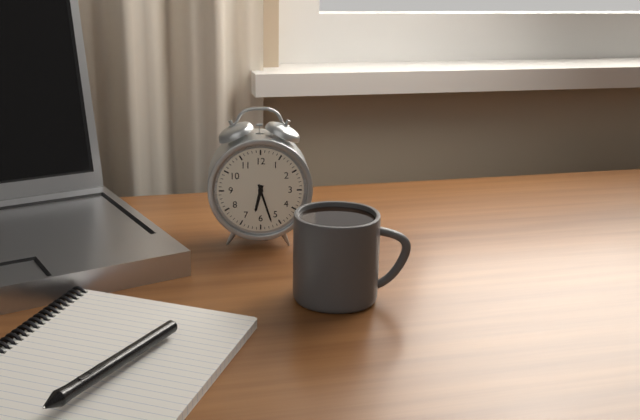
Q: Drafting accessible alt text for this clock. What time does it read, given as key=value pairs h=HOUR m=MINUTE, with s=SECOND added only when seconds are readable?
h=6 m=27
